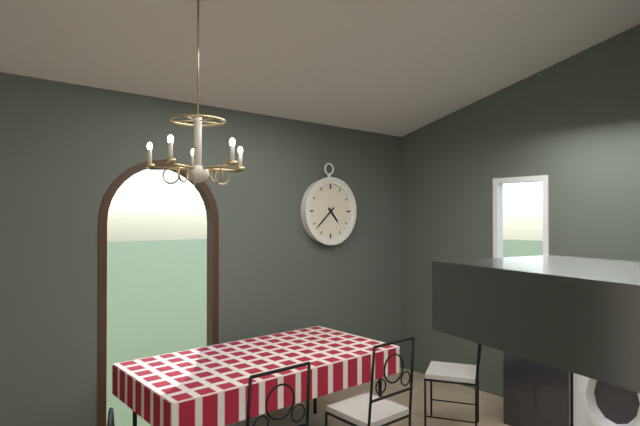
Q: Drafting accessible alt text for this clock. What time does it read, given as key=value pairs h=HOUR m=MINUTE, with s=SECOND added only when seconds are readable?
h=4 m=38
